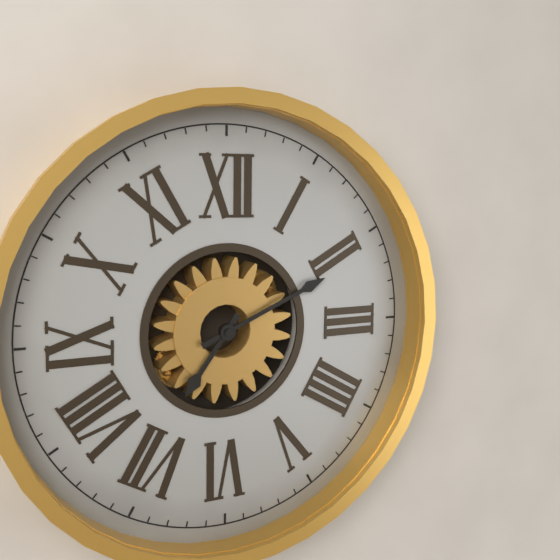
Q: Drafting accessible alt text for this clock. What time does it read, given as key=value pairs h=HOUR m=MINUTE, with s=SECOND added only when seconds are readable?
h=7 m=11
